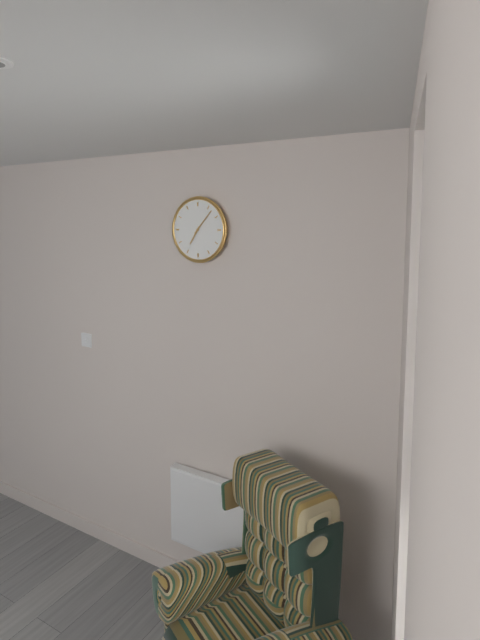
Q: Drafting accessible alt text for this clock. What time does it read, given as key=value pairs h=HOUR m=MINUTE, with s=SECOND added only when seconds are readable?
h=7 m=7
